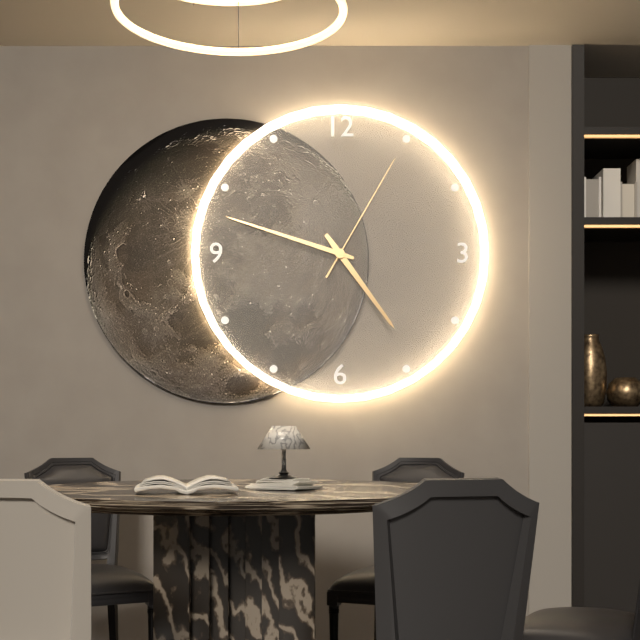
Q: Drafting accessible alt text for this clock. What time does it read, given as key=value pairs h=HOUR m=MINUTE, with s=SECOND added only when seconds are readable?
h=4 m=48 s=5
